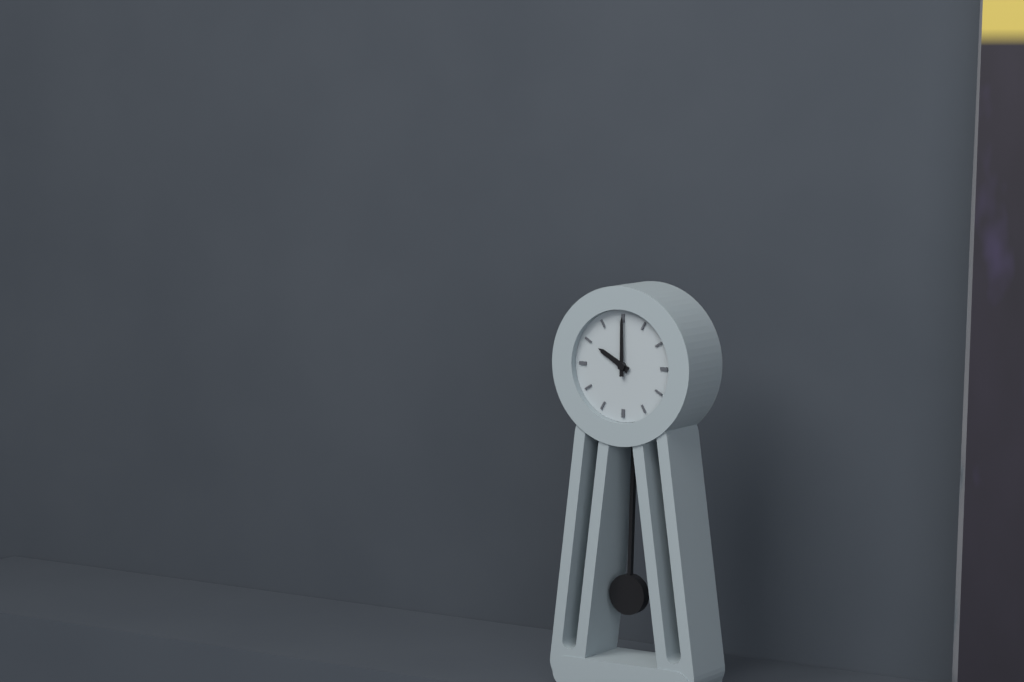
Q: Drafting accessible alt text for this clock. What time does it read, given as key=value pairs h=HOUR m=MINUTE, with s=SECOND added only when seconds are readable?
h=10 m=0
